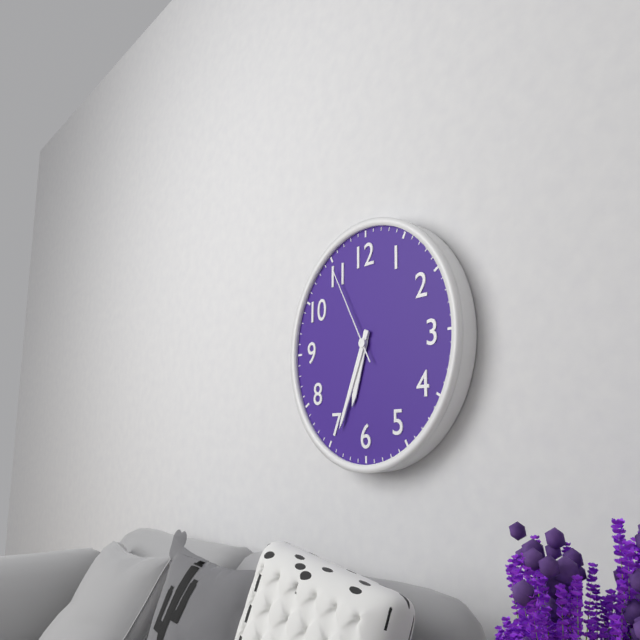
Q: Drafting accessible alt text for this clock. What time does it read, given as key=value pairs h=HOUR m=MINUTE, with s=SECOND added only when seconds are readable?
h=6 m=34 s=55
